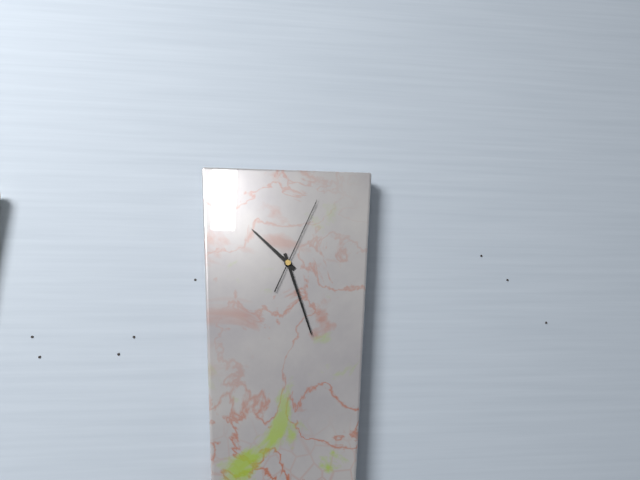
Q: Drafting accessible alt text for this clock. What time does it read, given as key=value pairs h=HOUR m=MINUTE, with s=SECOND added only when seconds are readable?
h=10 m=27 s=4
